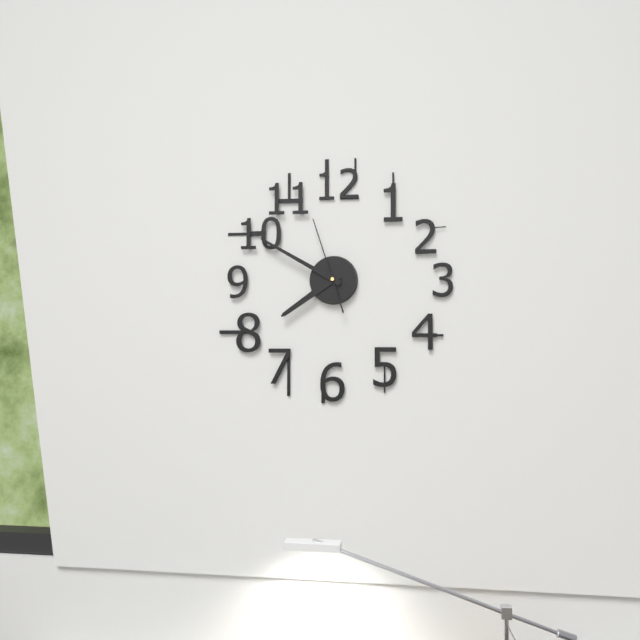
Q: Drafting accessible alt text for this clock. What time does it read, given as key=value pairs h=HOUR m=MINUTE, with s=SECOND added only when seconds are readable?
h=7 m=50 s=57
